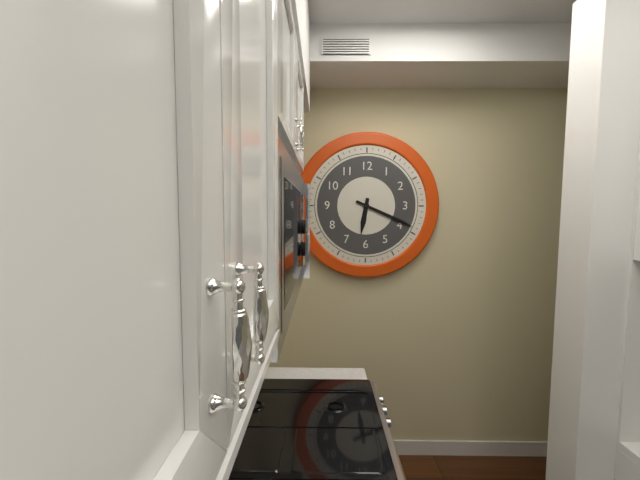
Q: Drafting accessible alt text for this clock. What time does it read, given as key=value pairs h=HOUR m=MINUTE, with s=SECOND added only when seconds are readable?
h=6 m=19
